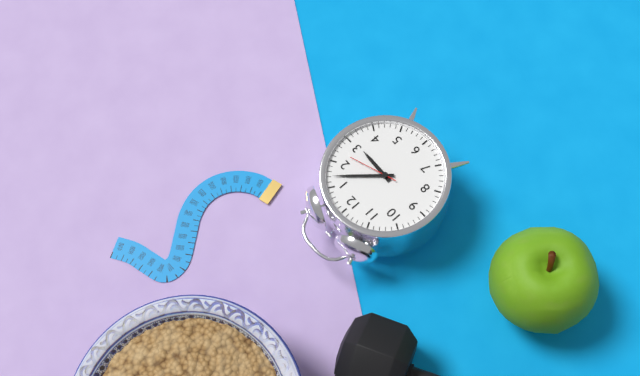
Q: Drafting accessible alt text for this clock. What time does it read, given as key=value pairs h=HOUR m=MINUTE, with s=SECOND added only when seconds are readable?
h=3 m=7
